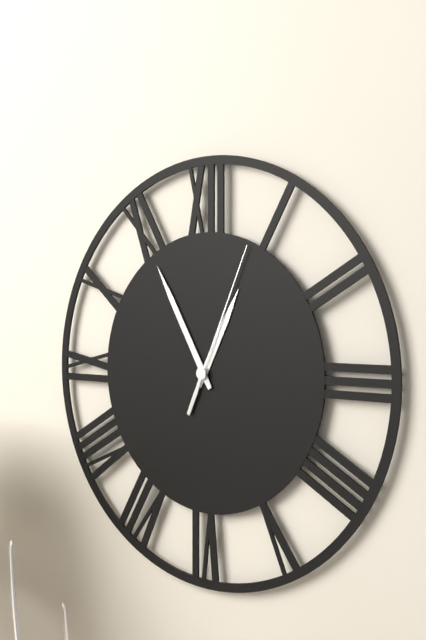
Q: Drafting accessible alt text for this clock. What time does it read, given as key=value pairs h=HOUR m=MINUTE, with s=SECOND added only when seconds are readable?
h=12 m=55 s=4
